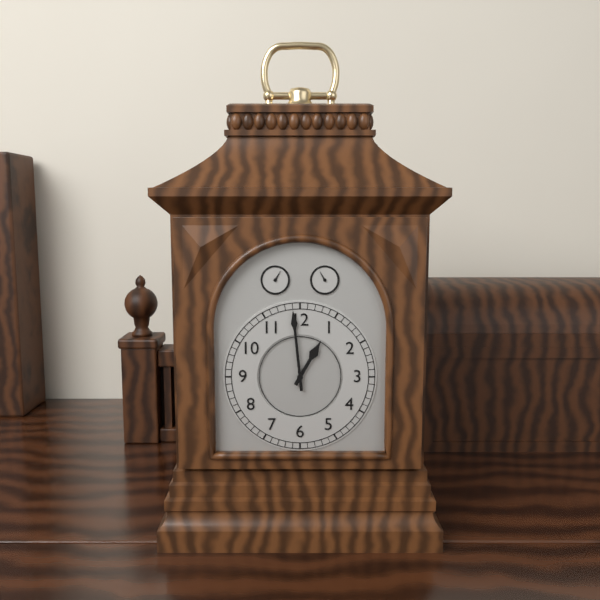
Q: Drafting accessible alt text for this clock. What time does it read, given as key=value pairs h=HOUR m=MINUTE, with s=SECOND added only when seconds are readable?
h=12 m=59
